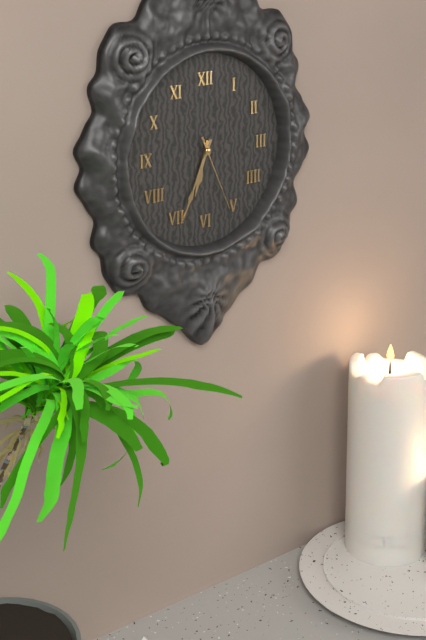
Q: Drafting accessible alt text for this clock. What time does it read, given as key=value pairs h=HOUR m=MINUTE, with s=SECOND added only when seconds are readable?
h=6 m=34 s=26
